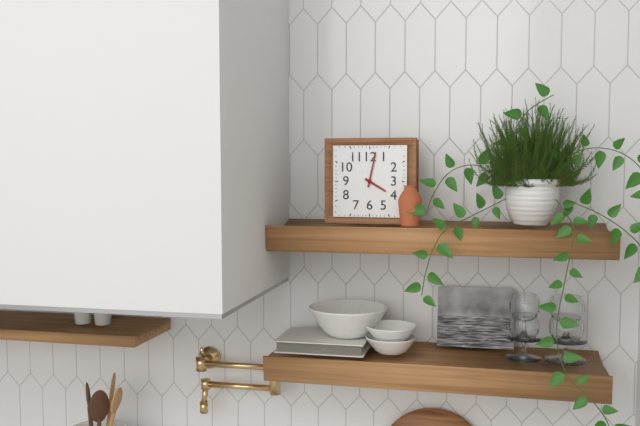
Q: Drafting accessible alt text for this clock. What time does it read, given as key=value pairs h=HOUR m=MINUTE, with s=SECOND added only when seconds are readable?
h=4 m=2
